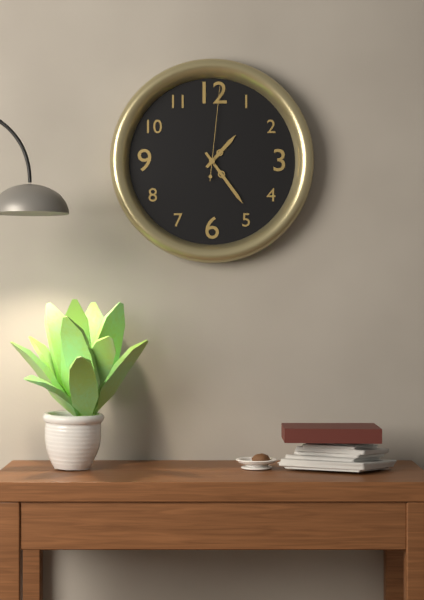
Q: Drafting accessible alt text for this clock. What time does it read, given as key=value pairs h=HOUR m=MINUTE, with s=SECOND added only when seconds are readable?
h=1 m=24 s=1
